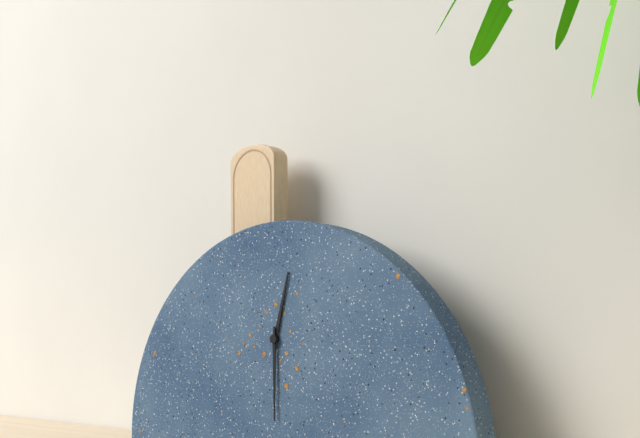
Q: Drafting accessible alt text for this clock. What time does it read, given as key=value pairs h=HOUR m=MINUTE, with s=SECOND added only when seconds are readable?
h=12 m=30
